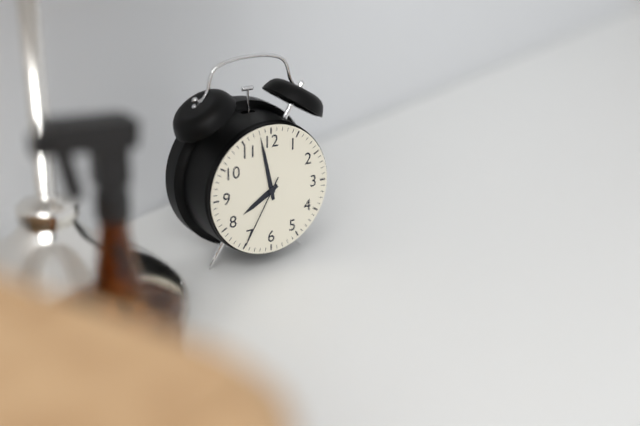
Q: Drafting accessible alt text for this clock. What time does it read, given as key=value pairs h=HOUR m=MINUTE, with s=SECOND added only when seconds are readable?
h=7 m=58 s=35
